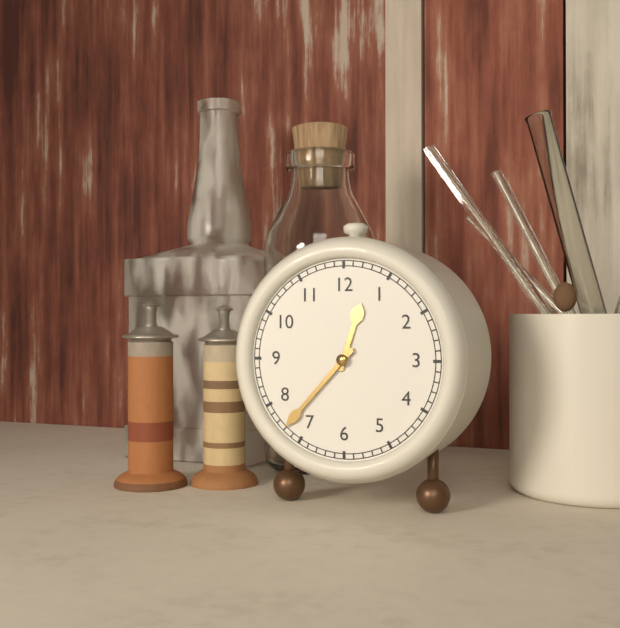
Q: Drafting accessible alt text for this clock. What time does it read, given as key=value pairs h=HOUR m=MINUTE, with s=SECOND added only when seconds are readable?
h=12 m=37
